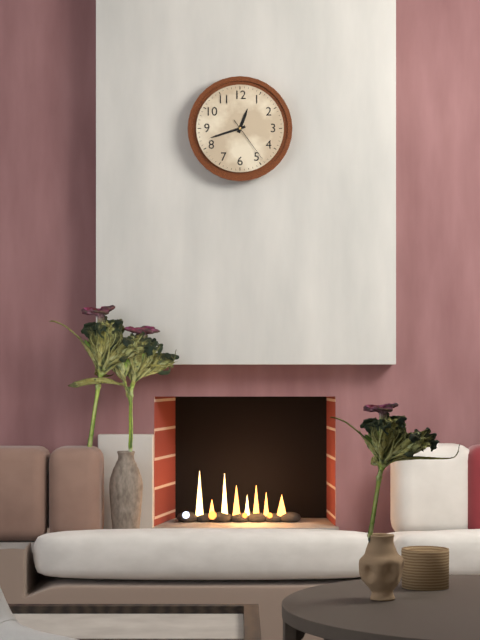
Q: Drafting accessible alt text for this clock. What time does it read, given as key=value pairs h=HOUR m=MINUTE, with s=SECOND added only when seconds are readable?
h=12 m=42
